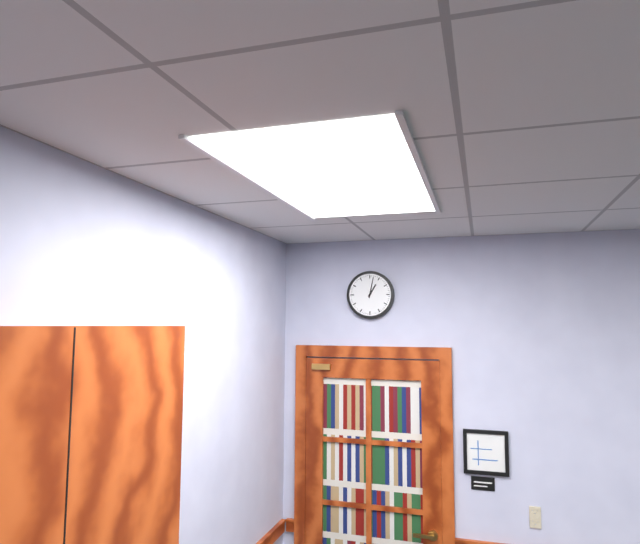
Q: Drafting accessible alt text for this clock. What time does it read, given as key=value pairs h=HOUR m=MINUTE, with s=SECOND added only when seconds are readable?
h=1 m=2
